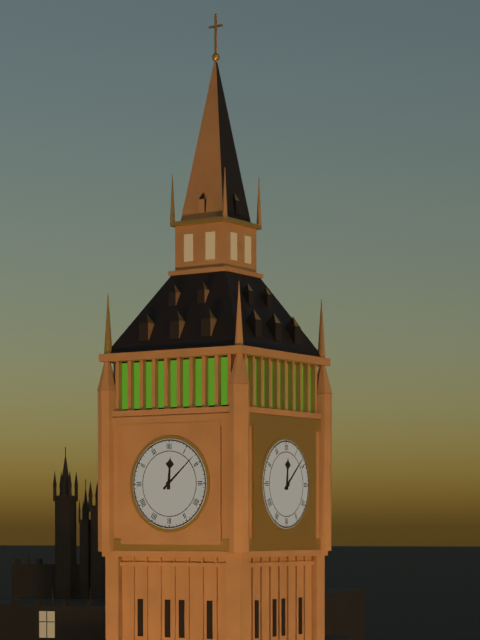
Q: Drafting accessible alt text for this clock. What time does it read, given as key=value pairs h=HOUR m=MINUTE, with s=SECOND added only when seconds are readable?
h=12 m=8
